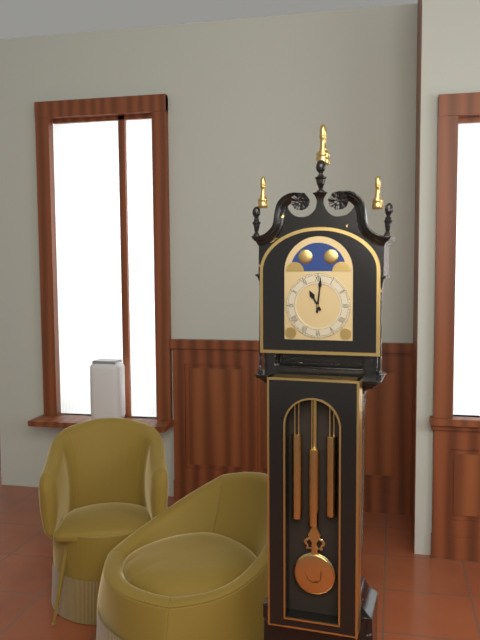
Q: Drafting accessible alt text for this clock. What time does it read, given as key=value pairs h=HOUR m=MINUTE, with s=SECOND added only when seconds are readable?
h=11 m=1
